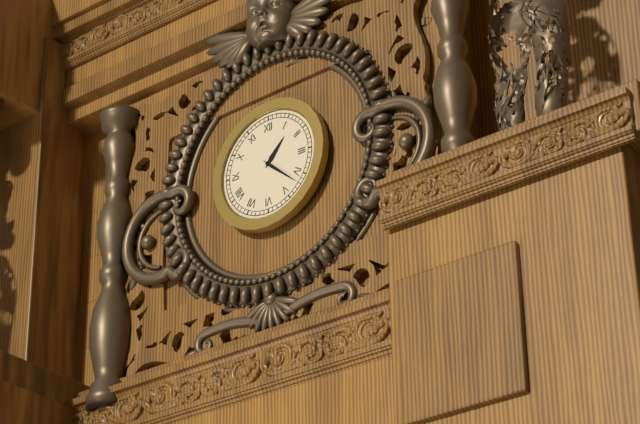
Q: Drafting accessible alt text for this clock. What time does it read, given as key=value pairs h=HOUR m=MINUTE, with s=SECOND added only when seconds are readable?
h=1 m=22
